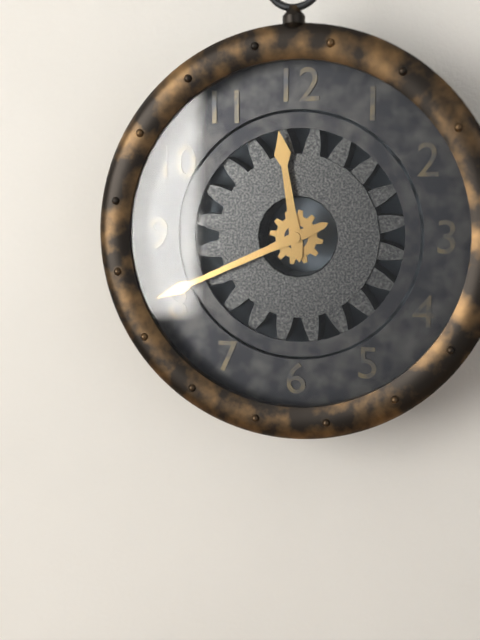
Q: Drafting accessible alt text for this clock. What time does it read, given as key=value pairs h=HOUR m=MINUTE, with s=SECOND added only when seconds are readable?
h=11 m=41
